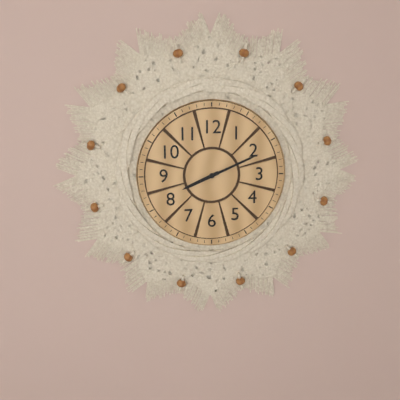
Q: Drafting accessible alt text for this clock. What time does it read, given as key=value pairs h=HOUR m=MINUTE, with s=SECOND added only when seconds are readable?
h=8 m=11
